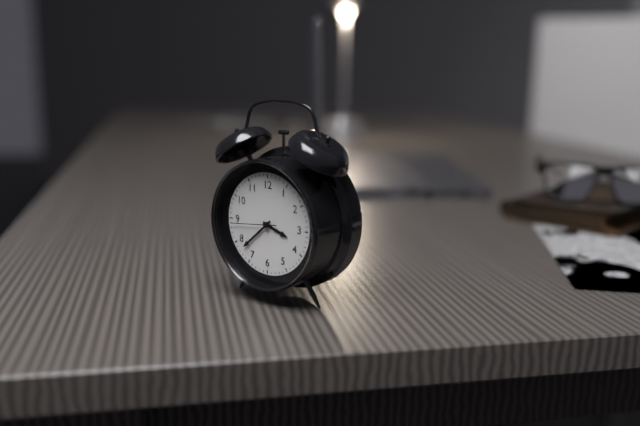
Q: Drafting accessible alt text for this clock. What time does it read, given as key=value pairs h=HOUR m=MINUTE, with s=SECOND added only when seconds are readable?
h=3 m=38
